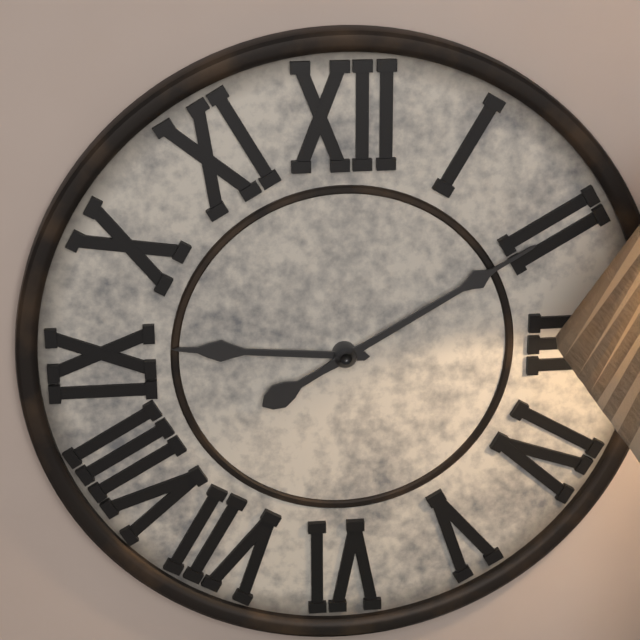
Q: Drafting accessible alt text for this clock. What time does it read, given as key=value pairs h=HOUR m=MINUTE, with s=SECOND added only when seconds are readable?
h=9 m=10
